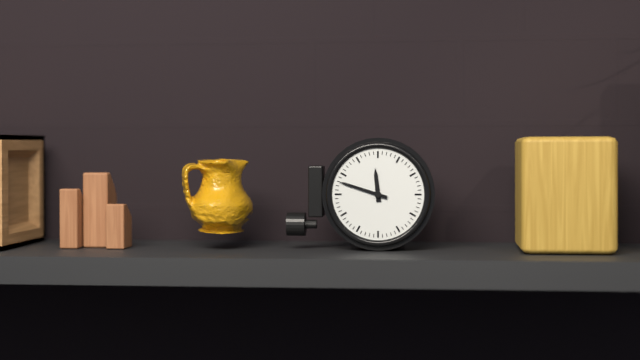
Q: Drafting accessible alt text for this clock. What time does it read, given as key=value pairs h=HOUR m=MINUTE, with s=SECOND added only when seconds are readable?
h=11 m=48
